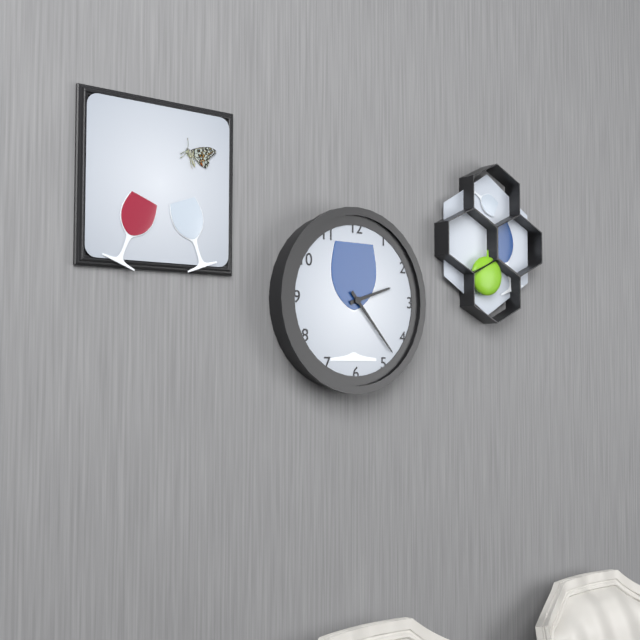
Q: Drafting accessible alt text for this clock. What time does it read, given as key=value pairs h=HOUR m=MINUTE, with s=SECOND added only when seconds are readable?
h=2 m=23
